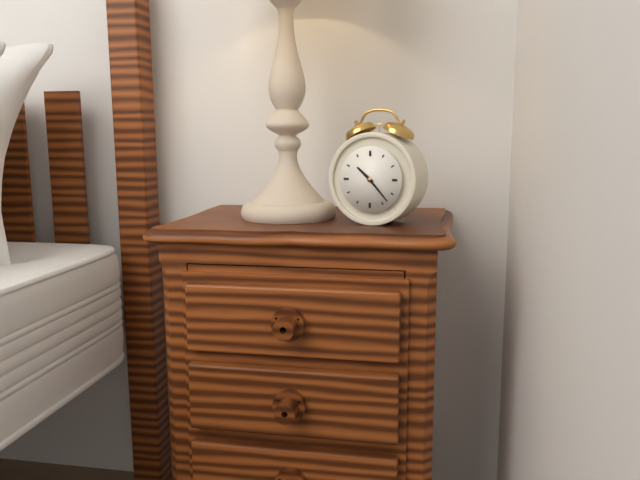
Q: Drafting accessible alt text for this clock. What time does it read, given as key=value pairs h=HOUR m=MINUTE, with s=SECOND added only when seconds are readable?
h=10 m=23
